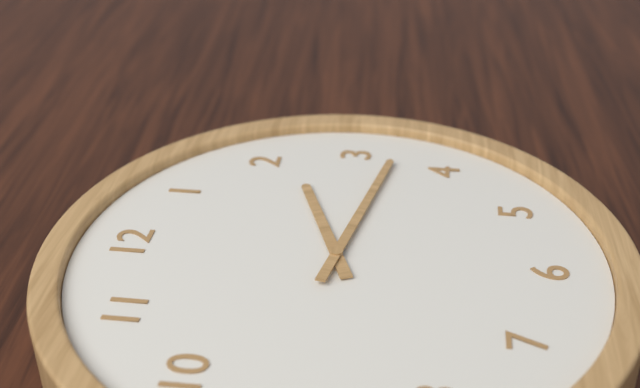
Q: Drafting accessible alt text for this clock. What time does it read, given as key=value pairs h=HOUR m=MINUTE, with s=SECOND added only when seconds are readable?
h=2 m=17
